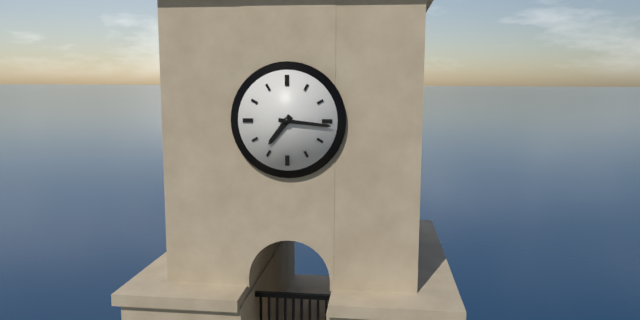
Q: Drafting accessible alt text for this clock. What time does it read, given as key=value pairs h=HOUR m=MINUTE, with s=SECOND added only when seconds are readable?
h=7 m=16
